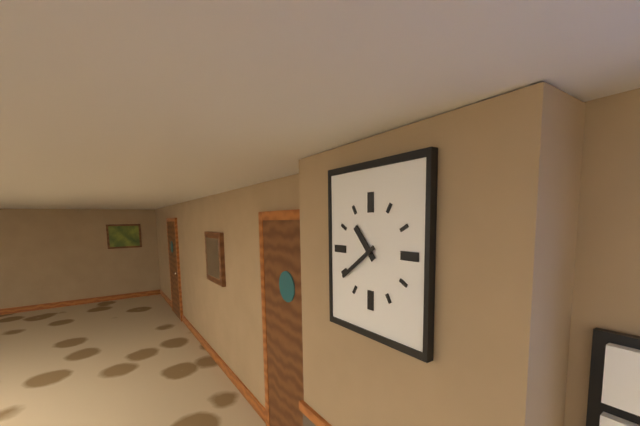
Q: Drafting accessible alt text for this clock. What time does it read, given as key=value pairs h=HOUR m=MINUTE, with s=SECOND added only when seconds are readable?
h=10 m=39
